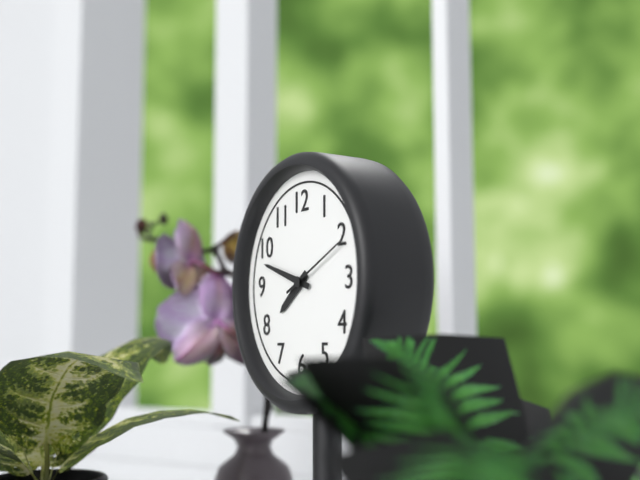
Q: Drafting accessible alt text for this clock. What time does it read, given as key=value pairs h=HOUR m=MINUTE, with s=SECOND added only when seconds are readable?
h=7 m=48 s=11
